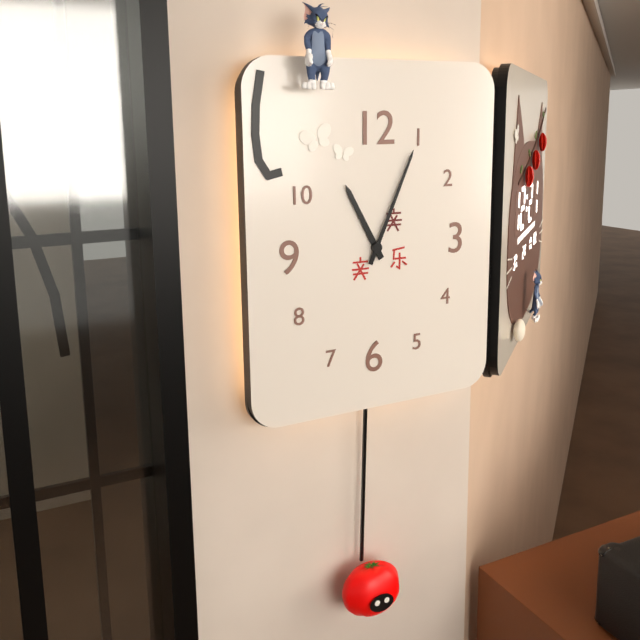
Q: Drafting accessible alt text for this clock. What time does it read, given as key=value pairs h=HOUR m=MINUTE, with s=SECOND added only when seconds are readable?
h=11 m=4
